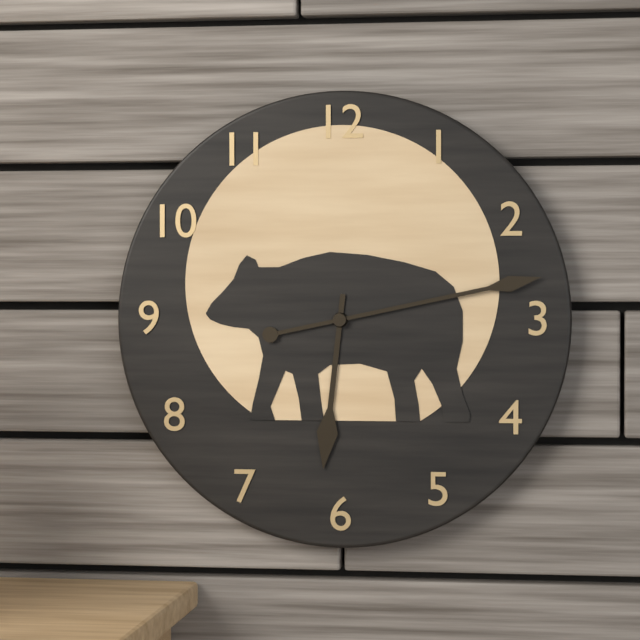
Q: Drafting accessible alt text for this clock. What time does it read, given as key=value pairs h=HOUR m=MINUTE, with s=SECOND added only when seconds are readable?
h=6 m=13
